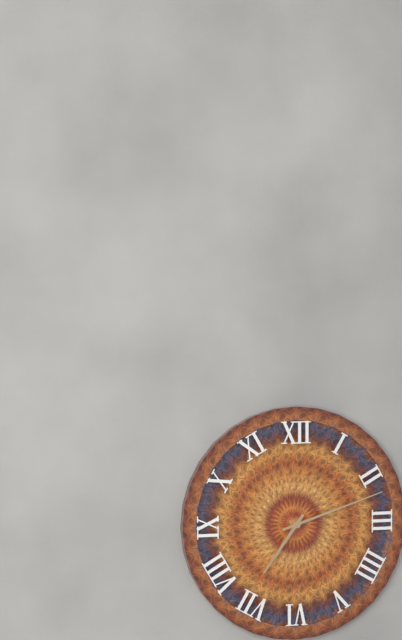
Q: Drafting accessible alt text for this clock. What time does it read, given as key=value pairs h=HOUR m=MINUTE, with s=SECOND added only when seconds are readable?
h=7 m=12
